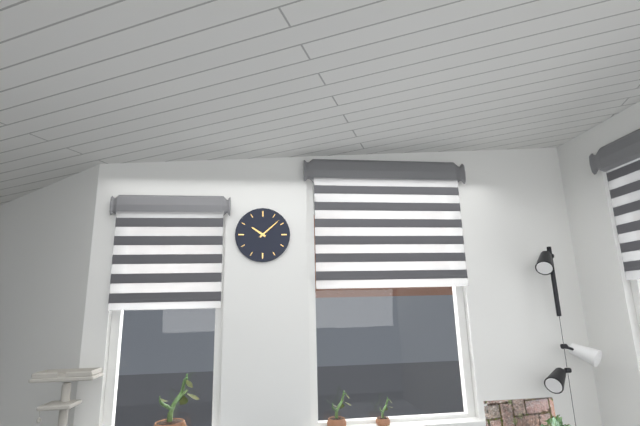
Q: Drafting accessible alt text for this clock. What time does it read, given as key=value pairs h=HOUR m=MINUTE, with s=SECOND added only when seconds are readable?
h=10 m=8
